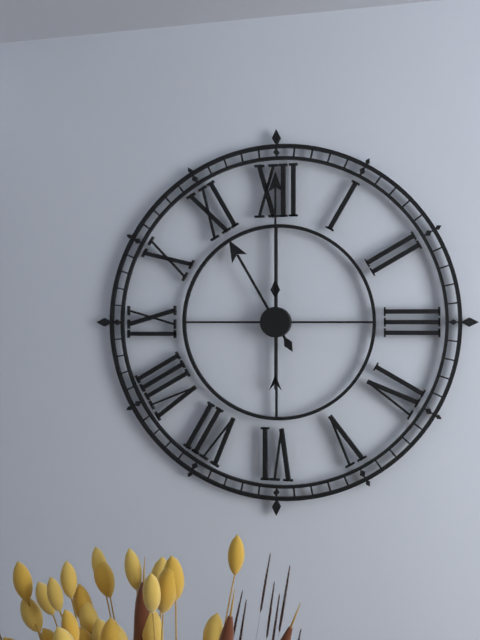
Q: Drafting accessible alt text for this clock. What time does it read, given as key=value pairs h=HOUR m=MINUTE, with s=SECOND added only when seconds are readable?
h=11 m=0
